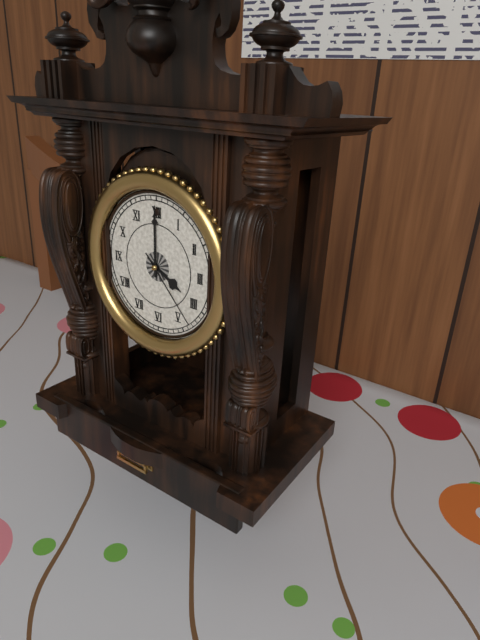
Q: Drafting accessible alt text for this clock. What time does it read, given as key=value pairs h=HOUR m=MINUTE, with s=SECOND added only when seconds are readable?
h=4 m=0 s=23
